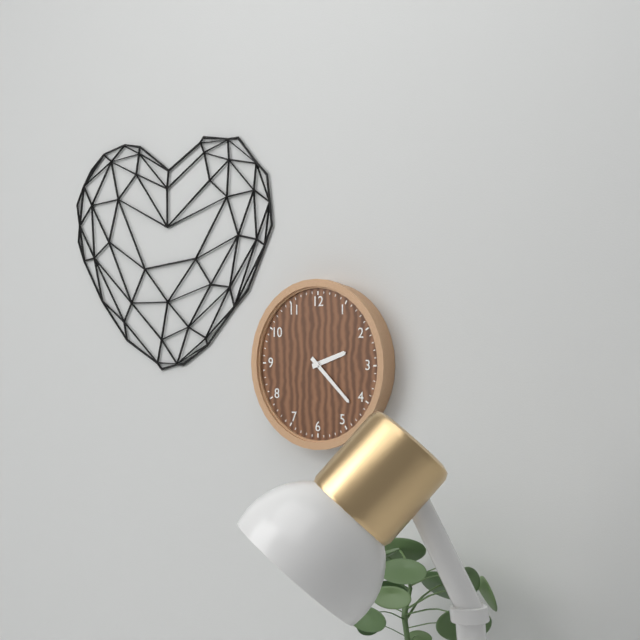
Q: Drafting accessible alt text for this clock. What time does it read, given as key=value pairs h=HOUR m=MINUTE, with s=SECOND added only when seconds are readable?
h=2 m=22
